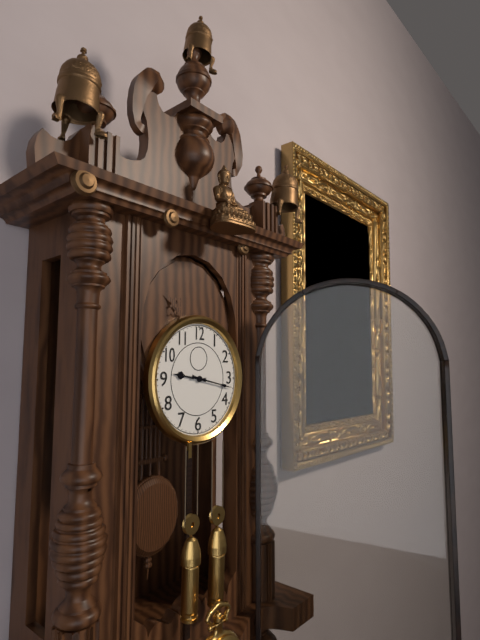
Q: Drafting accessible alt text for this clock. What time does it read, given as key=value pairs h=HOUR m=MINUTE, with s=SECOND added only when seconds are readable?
h=9 m=17
